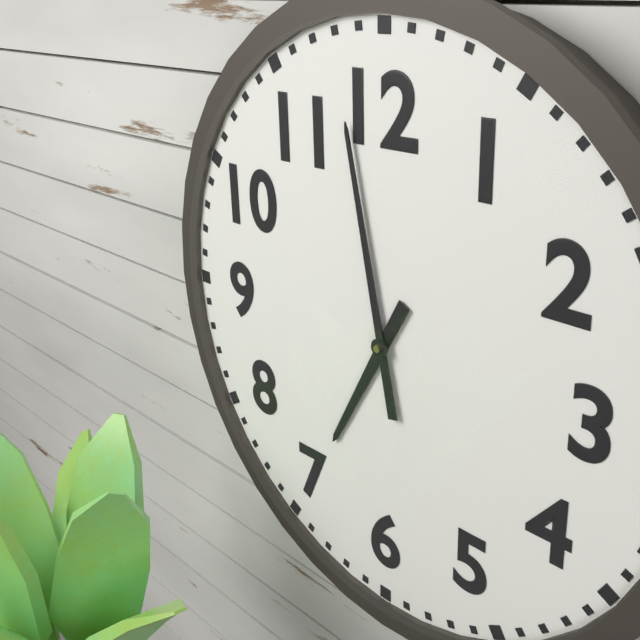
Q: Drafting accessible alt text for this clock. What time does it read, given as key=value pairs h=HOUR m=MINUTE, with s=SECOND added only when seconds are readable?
h=6 m=58
